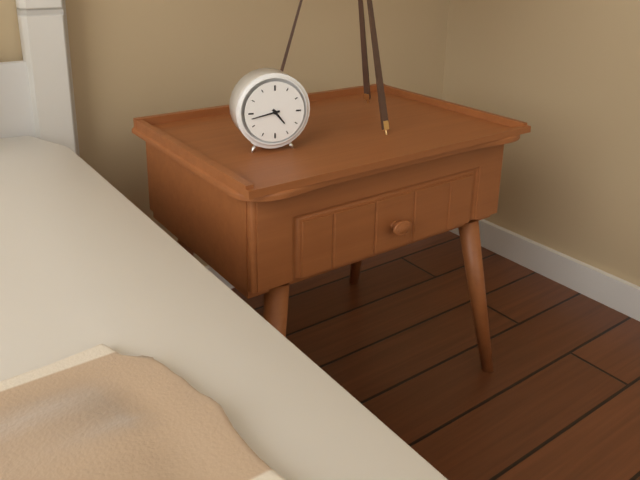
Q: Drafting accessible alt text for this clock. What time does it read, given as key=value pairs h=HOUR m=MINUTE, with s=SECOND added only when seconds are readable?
h=4 m=43
